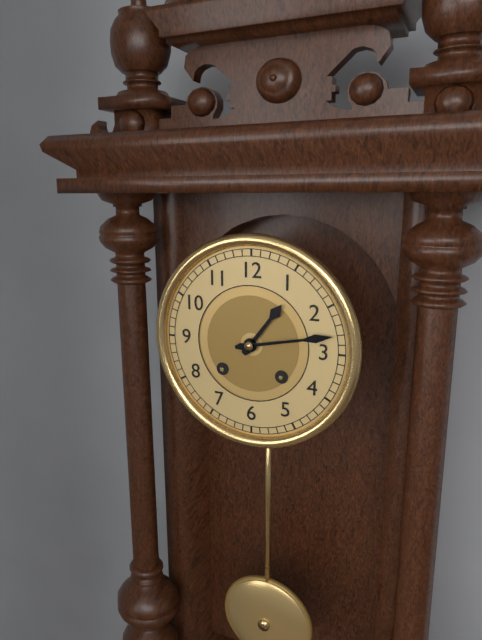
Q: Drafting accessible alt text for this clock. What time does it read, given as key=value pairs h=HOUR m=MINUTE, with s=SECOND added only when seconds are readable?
h=1 m=13
